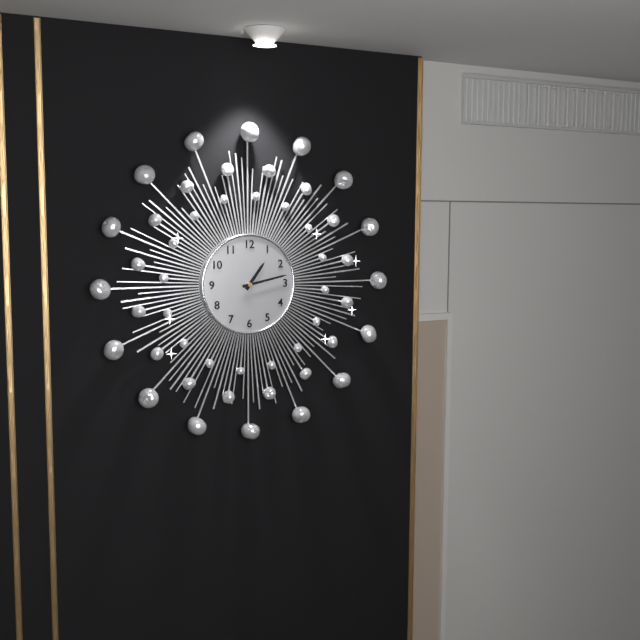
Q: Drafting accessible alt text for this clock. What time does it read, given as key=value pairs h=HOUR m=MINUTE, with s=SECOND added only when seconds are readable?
h=1 m=13
